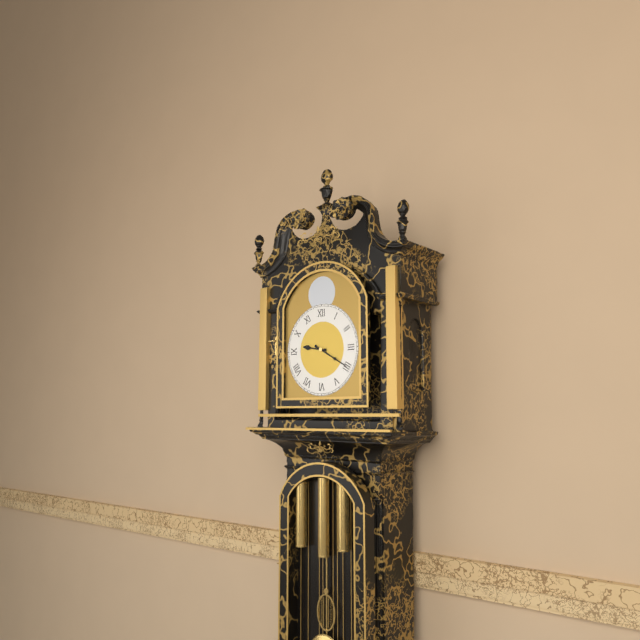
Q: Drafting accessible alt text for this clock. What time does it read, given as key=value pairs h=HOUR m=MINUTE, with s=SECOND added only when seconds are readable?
h=9 m=20
